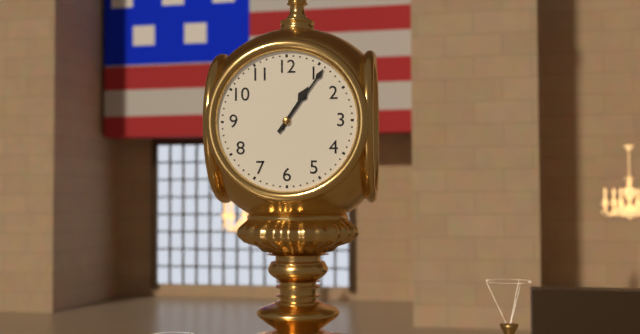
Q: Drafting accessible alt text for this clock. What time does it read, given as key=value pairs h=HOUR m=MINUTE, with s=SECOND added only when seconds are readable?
h=1 m=6
